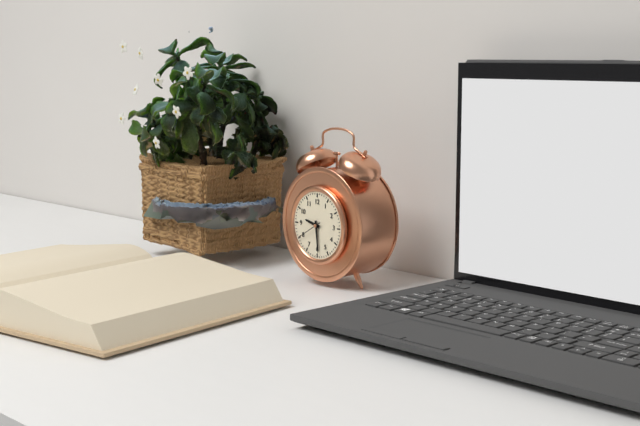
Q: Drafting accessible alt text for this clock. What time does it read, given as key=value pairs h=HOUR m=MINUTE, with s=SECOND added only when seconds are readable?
h=9 m=29
